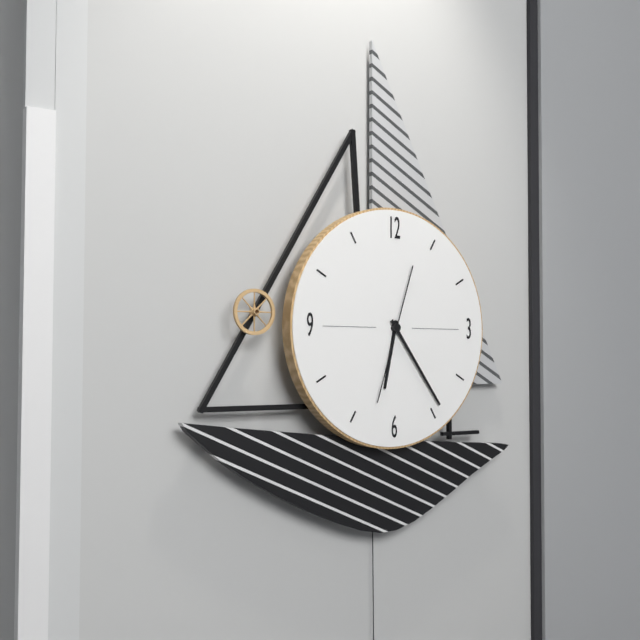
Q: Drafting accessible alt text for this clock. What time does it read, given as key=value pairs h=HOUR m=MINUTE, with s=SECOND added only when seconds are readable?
h=6 m=24 s=33
